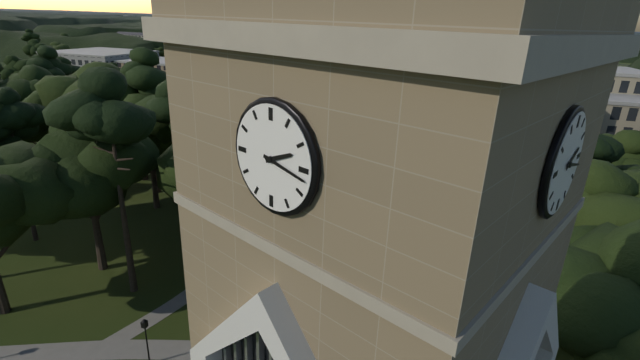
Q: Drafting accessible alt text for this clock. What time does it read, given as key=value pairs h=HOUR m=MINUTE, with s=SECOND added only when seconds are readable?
h=2 m=17
